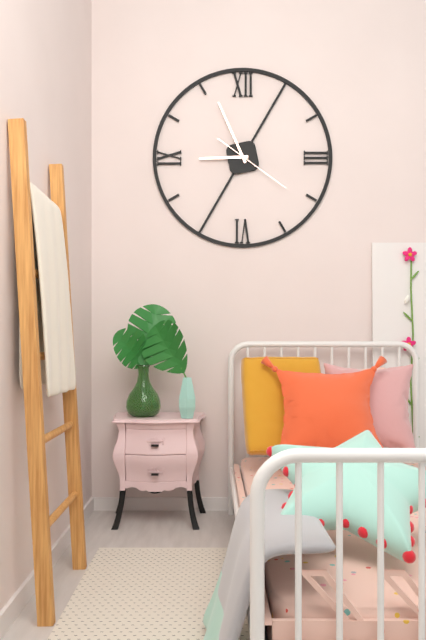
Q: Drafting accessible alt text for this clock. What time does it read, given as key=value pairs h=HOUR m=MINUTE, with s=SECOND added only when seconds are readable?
h=8 m=56 s=21
